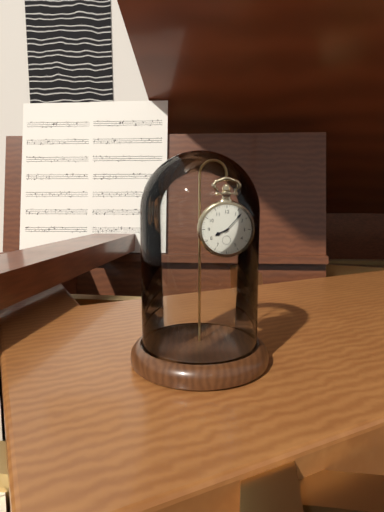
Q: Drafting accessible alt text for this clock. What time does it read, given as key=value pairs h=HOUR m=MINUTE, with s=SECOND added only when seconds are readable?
h=8 m=7
